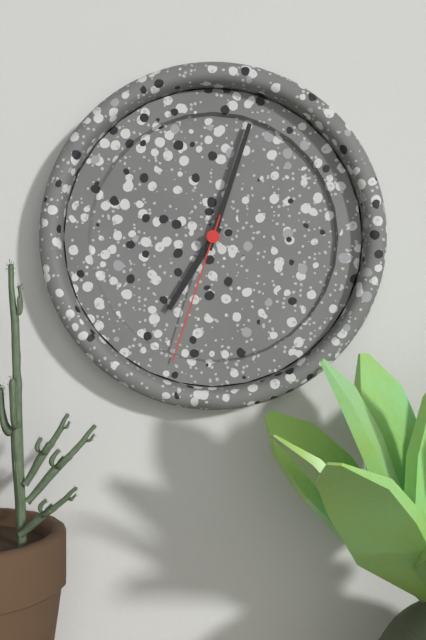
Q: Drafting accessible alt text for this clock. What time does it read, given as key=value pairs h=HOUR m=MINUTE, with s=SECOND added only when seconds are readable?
h=7 m=3 s=33
